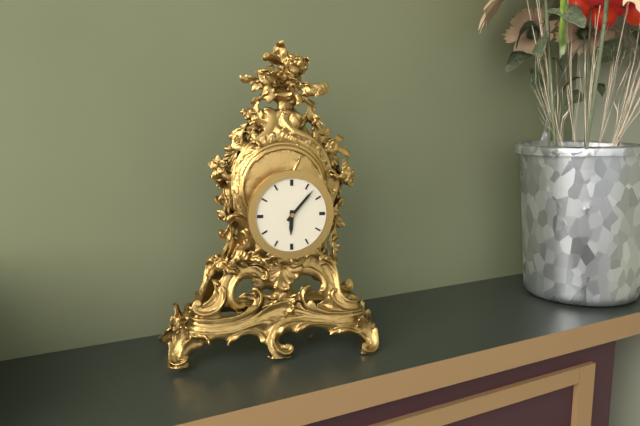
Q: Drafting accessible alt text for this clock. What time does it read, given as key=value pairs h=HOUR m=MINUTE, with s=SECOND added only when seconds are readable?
h=6 m=7
